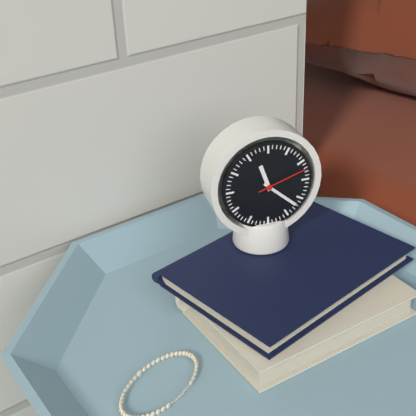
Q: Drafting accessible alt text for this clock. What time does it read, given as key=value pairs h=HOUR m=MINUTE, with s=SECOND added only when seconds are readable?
h=11 m=22 s=12
